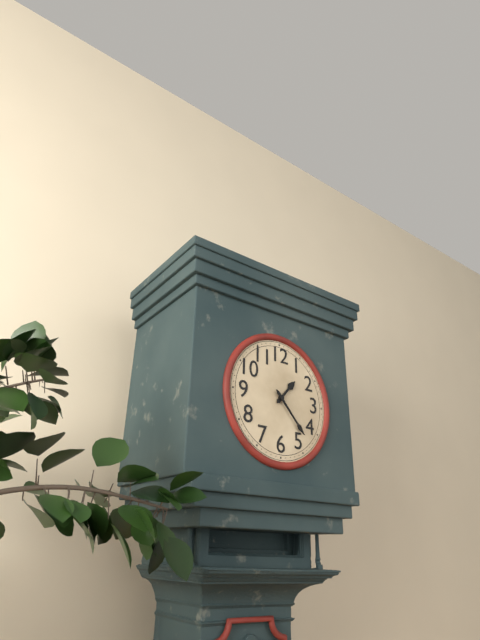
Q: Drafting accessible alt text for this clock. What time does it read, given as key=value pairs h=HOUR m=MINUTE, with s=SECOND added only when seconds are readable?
h=1 m=23
